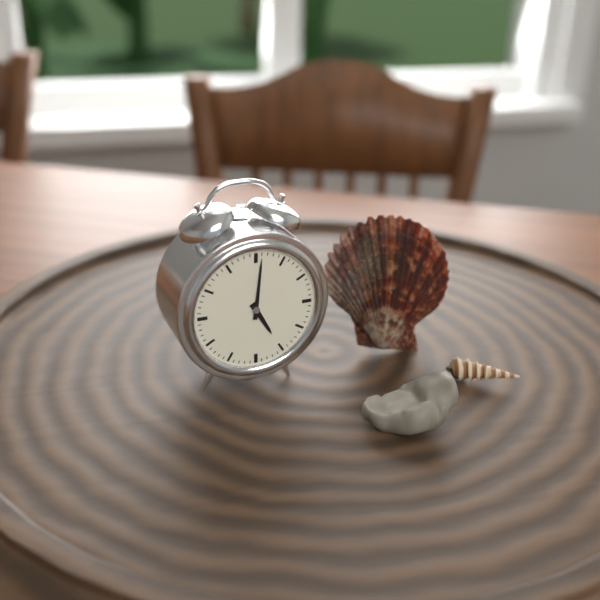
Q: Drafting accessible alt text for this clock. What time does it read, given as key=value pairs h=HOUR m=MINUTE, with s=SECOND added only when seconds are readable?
h=5 m=1
